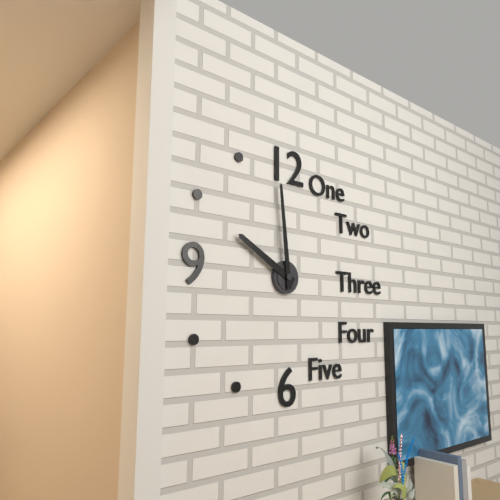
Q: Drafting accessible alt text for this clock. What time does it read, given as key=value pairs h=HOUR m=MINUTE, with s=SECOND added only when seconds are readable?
h=9 m=59
